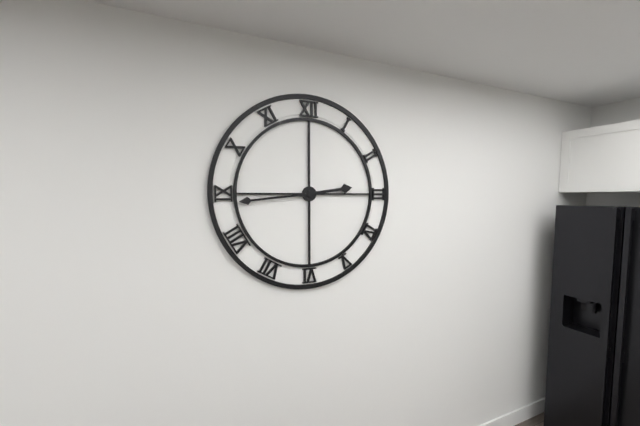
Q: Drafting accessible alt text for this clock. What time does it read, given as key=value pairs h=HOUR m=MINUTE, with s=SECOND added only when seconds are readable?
h=2 m=44
